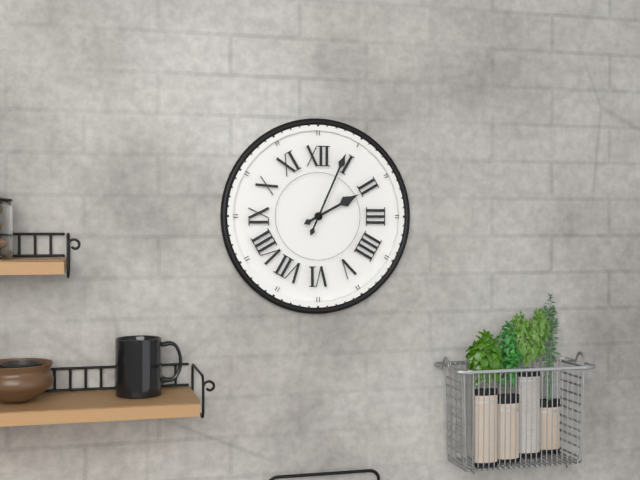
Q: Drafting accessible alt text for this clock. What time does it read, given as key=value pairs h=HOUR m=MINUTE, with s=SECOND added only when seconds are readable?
h=2 m=4
